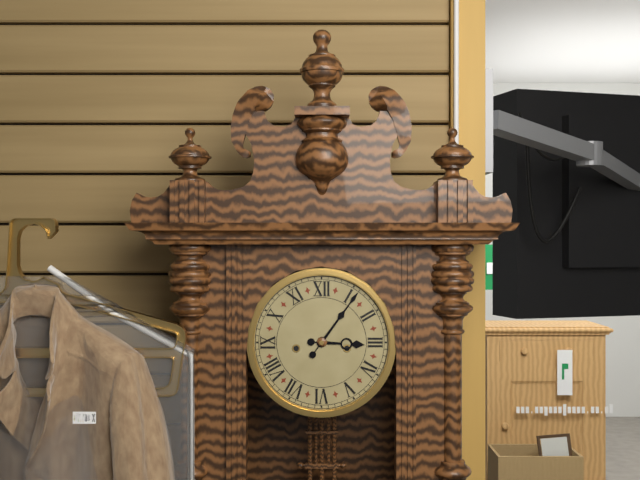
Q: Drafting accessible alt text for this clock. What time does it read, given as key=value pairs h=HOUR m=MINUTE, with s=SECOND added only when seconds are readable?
h=3 m=6
